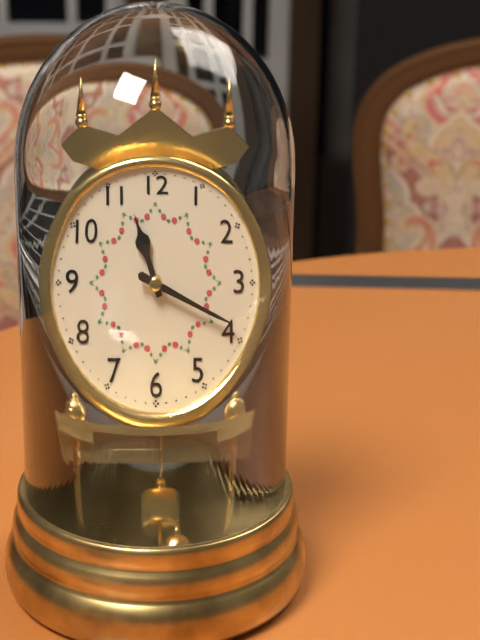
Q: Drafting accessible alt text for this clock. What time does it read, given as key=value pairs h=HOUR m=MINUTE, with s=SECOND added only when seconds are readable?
h=11 m=19
